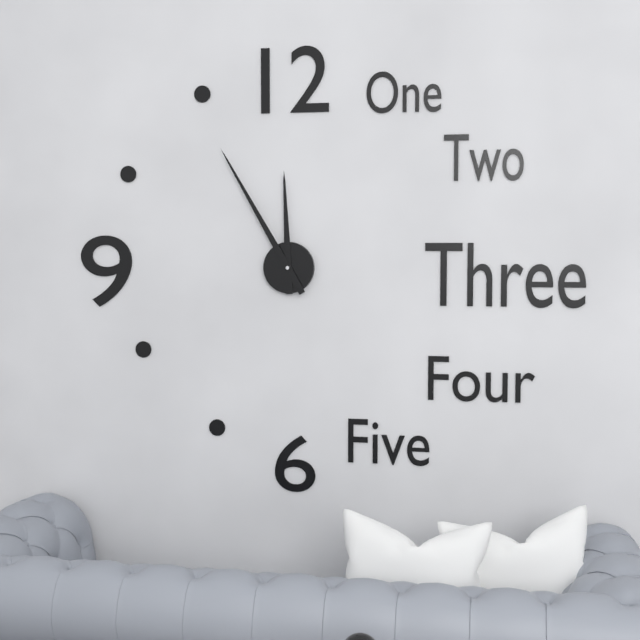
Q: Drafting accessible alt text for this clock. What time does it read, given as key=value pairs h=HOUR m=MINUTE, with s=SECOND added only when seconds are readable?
h=11 m=55
